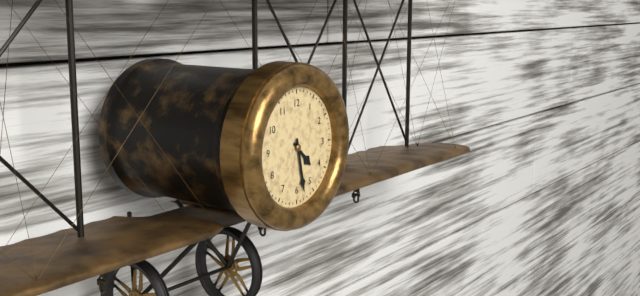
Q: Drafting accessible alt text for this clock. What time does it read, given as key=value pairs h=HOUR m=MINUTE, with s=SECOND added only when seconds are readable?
h=4 m=28
